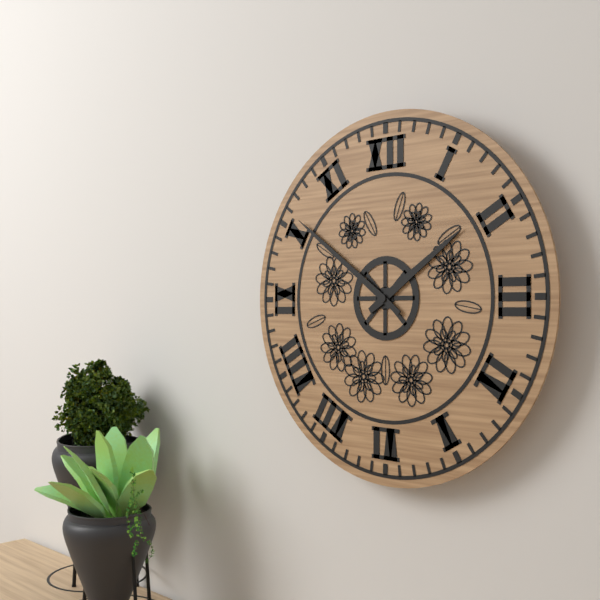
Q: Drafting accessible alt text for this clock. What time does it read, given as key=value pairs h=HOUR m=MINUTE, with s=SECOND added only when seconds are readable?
h=1 m=51
